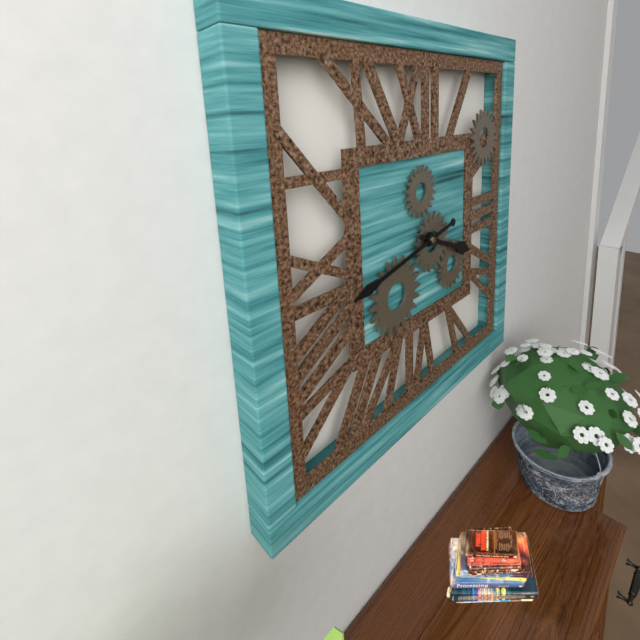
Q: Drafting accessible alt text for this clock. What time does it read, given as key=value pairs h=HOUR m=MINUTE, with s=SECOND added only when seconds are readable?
h=3 m=43
